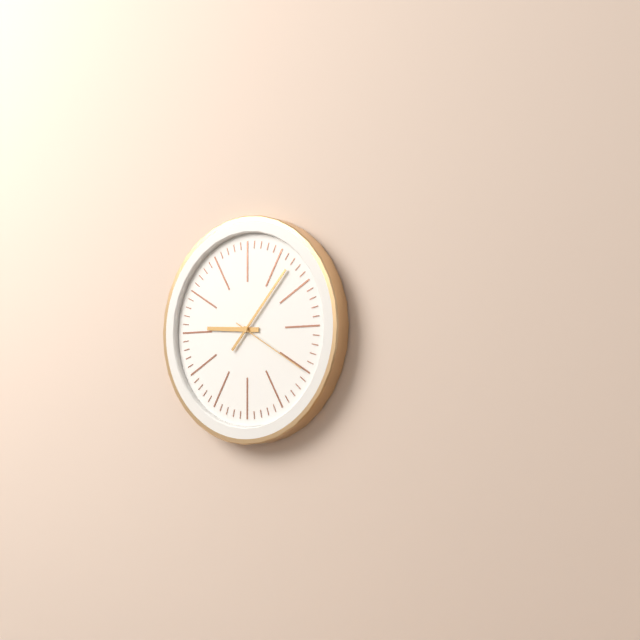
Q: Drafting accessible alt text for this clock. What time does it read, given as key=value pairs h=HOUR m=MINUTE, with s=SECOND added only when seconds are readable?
h=9 m=7 s=20
